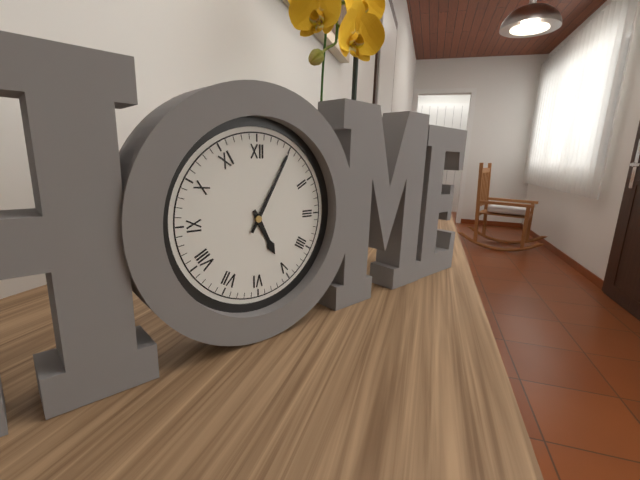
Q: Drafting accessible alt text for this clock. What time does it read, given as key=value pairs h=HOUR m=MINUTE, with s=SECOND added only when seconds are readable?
h=5 m=5
